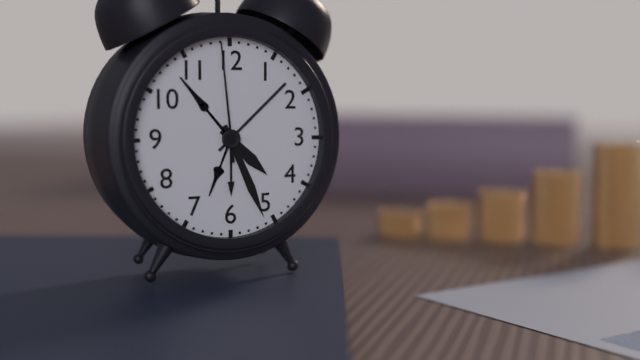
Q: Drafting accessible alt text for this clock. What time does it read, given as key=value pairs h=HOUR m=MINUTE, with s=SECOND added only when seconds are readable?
h=4 m=26 s=59
